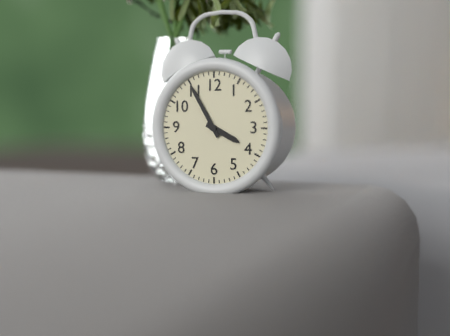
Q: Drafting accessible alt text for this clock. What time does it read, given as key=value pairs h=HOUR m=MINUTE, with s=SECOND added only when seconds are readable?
h=3 m=55
